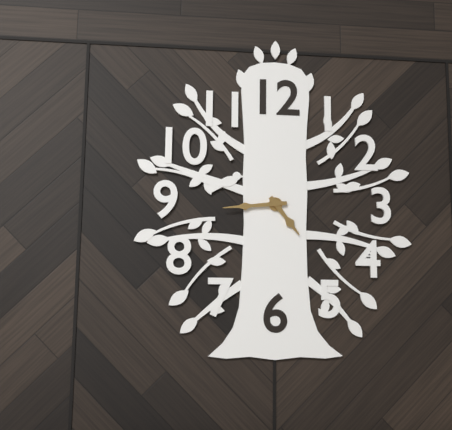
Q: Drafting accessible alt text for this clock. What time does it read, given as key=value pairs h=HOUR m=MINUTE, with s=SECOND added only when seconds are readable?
h=4 m=44
